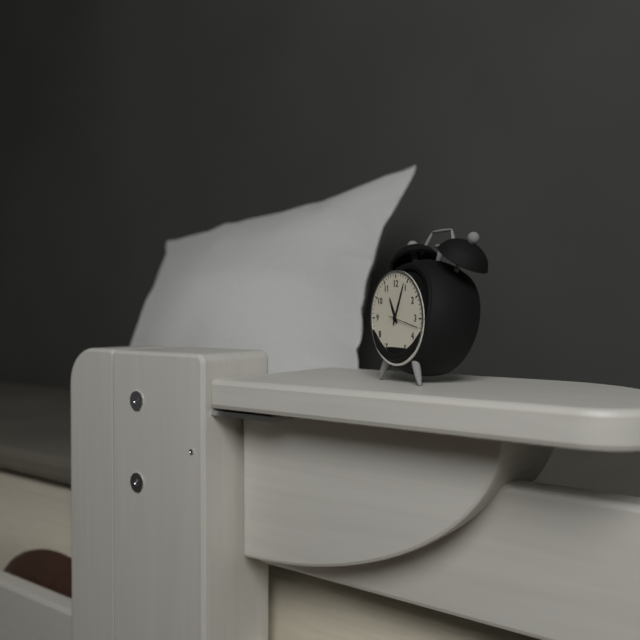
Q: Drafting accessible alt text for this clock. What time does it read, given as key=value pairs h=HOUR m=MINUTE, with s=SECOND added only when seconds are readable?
h=11 m=4
